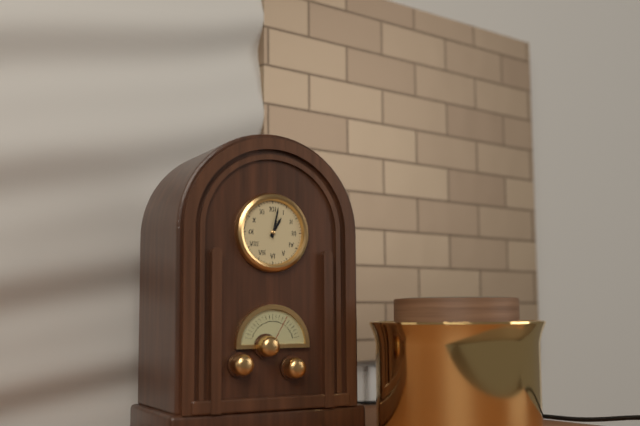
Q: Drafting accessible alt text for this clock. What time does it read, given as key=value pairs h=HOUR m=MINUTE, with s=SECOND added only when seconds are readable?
h=1 m=2
